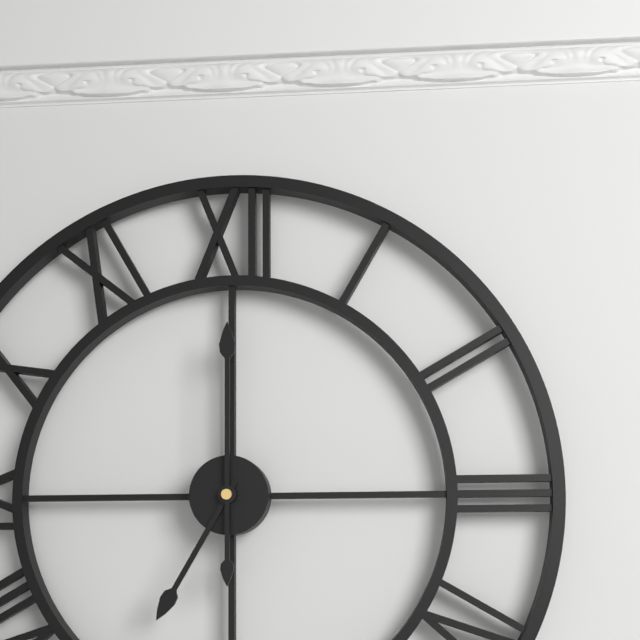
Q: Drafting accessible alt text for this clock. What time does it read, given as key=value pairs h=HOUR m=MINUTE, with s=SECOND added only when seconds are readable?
h=7 m=0
